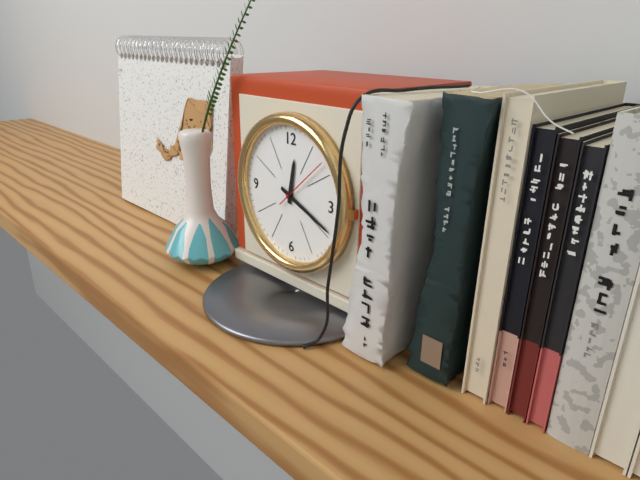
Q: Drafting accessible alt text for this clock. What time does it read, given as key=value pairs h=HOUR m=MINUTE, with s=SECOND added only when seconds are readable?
h=12 m=19 s=8
